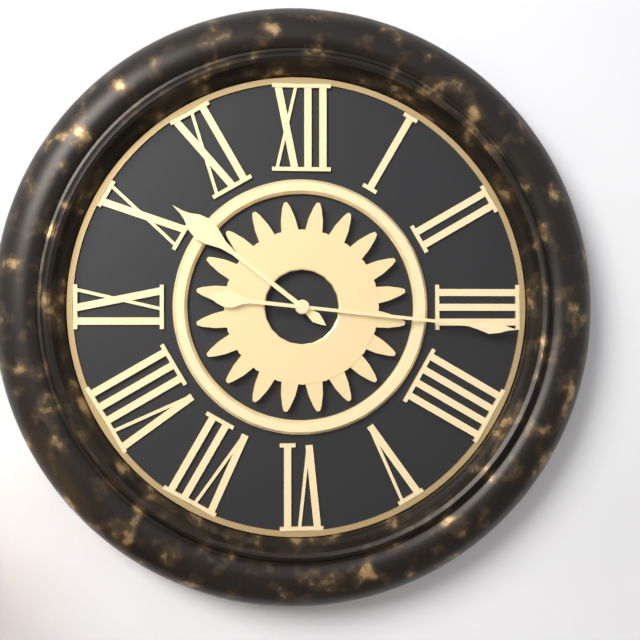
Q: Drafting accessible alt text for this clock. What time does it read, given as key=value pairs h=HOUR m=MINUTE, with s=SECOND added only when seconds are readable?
h=10 m=16
